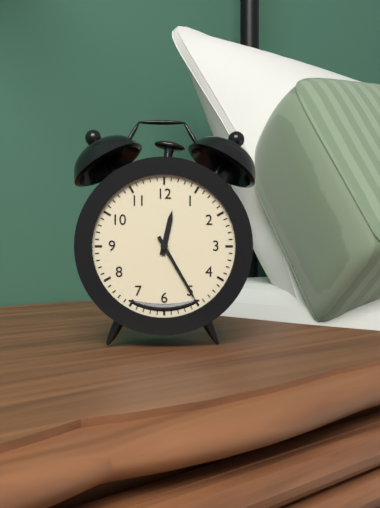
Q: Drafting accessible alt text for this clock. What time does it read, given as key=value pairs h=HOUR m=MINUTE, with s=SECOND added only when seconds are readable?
h=12 m=25
